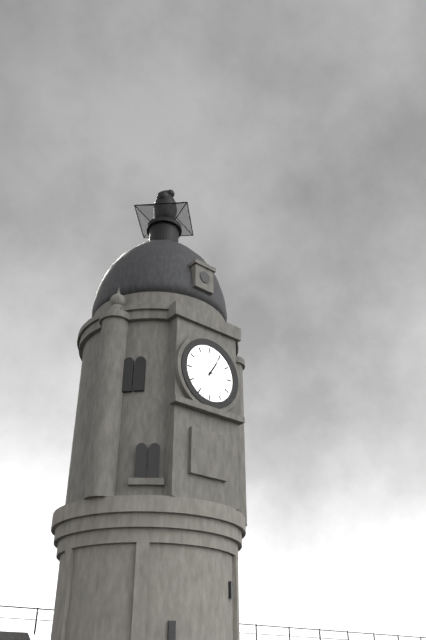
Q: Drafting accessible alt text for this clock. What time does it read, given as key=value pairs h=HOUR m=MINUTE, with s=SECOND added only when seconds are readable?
h=1 m=5
